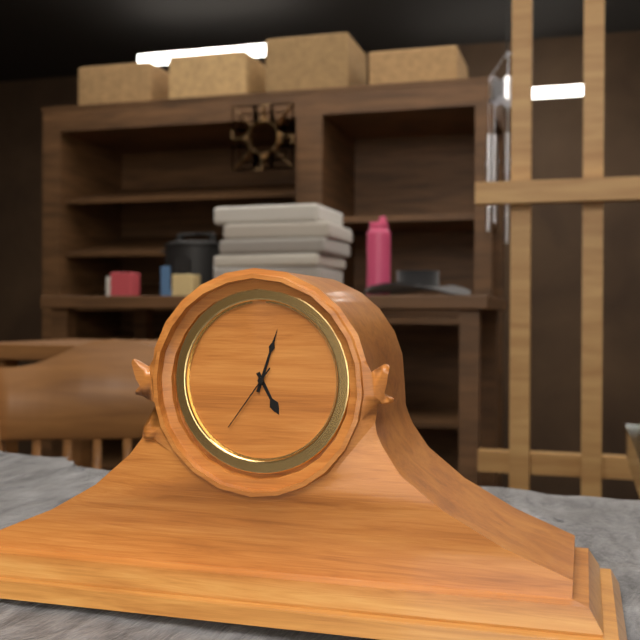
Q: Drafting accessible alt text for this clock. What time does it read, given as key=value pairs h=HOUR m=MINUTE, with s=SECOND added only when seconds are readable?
h=5 m=3 s=36
